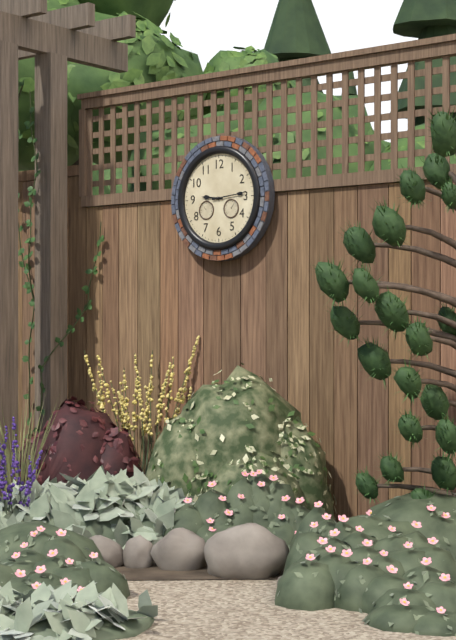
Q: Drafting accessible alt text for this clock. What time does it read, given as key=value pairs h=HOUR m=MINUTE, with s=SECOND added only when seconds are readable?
h=9 m=14
